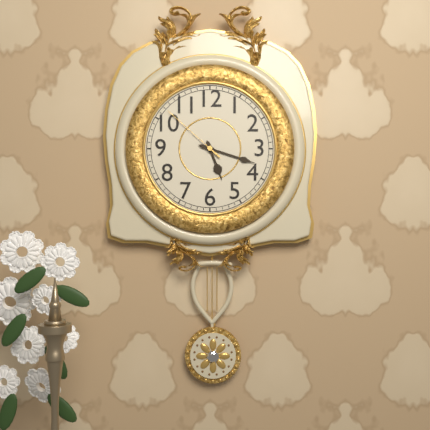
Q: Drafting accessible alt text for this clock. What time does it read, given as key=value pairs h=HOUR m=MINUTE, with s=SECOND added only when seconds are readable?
h=5 m=18 s=52
